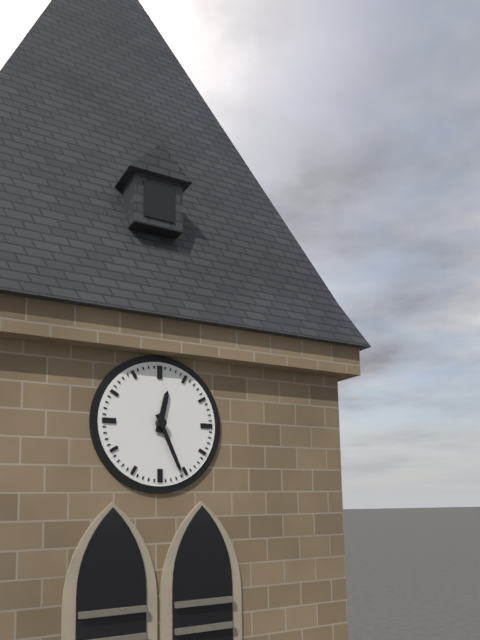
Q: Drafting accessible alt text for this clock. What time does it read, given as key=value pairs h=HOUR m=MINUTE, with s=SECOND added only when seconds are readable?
h=12 m=26
